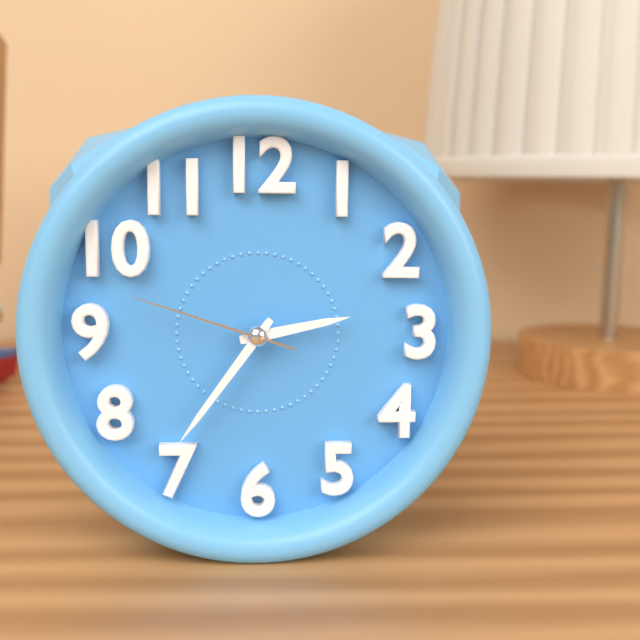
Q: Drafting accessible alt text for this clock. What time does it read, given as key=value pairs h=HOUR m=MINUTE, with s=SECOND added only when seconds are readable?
h=2 m=36 s=48
